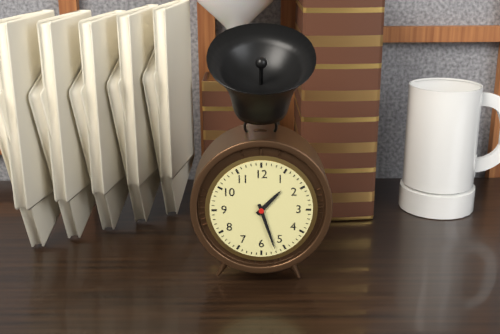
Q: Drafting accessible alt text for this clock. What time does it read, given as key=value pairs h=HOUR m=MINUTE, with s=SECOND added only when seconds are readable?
h=1 m=27
